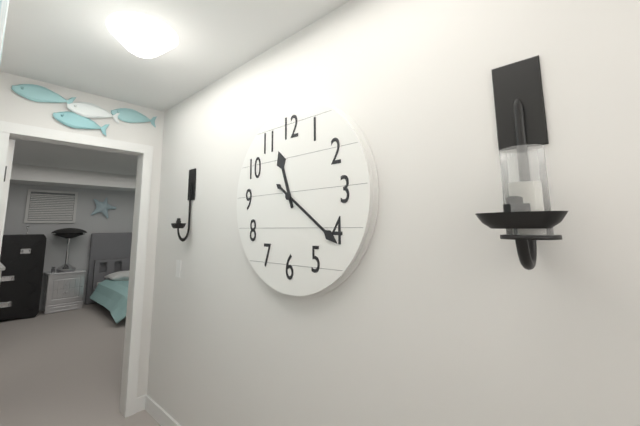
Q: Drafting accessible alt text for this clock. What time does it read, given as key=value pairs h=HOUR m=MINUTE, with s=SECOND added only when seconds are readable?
h=11 m=21
